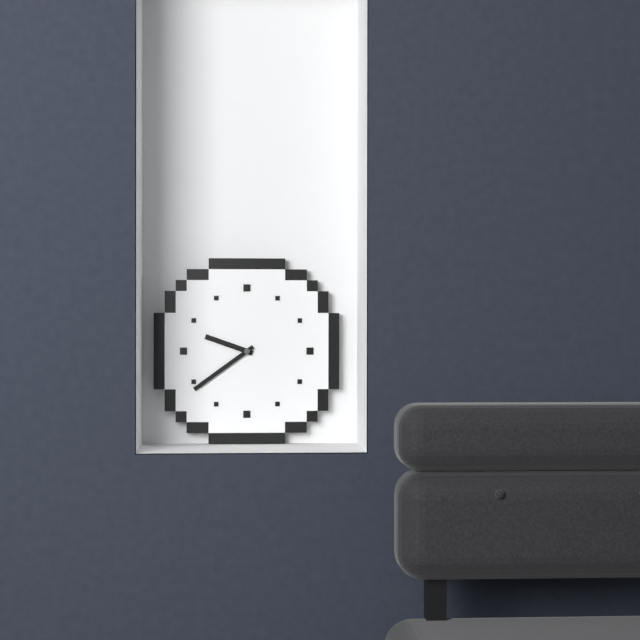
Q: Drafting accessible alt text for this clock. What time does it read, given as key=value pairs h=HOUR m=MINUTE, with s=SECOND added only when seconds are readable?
h=9 m=39
